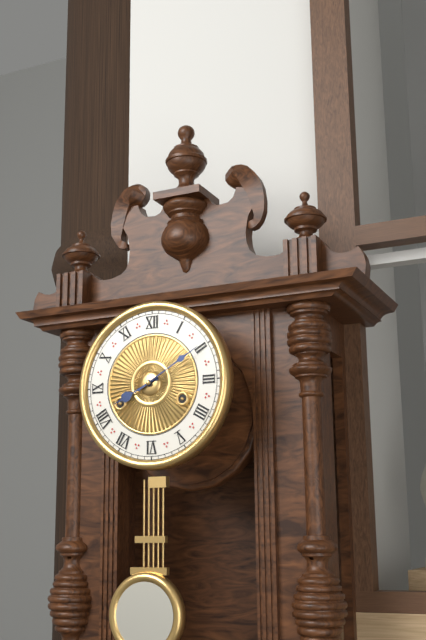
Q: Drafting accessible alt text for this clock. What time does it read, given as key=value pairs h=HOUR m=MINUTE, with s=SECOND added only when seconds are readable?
h=8 m=10
